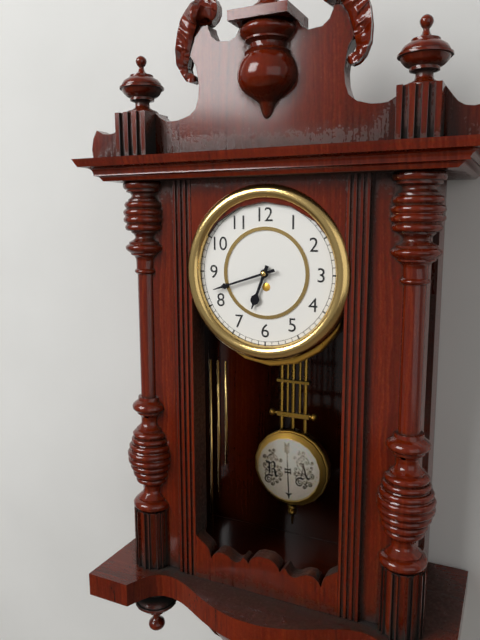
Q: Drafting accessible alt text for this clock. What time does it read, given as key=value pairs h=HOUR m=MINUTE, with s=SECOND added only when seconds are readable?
h=6 m=42
